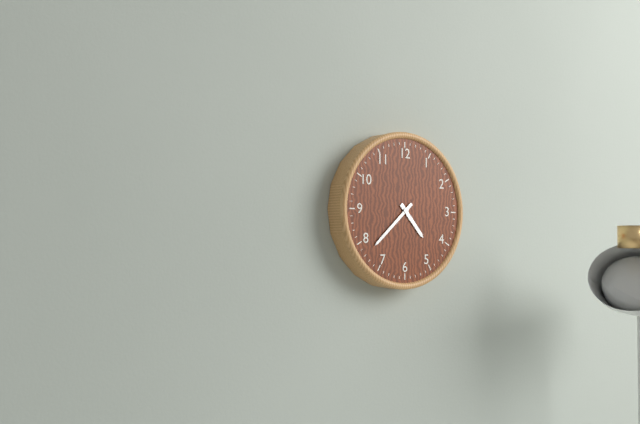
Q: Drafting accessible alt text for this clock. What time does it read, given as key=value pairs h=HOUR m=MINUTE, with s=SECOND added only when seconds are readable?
h=4 m=38
